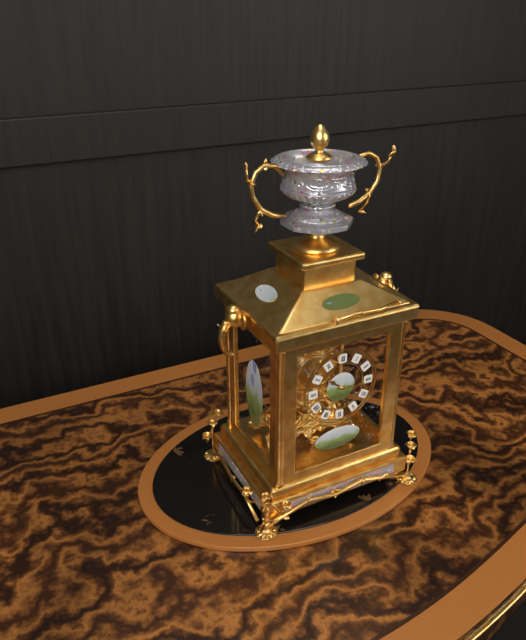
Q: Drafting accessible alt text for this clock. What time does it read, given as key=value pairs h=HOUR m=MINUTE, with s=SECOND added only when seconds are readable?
h=10 m=16
